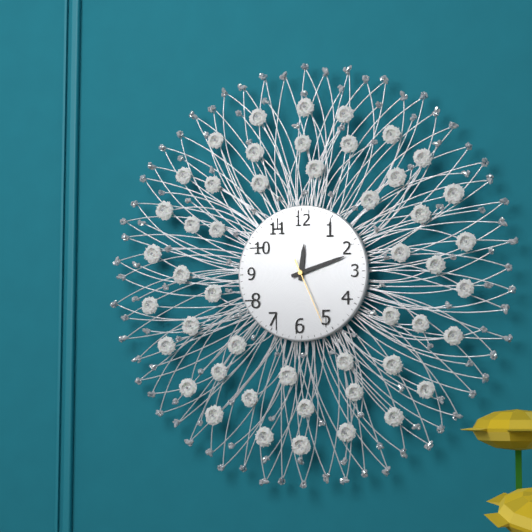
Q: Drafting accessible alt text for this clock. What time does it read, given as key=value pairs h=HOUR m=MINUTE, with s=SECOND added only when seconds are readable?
h=12 m=12 s=26
